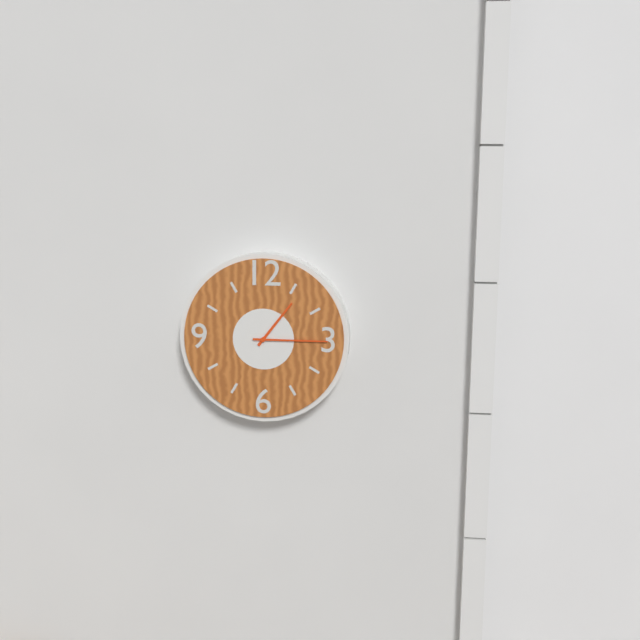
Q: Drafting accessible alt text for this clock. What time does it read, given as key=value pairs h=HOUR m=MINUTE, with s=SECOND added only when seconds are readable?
h=1 m=15
